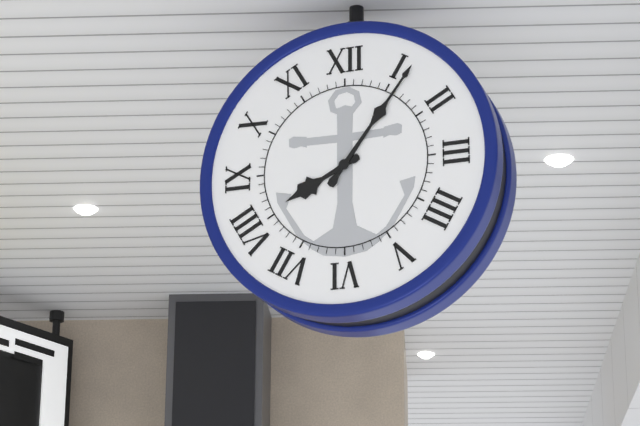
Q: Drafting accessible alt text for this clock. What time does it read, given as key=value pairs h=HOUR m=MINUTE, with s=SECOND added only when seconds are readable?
h=8 m=6
